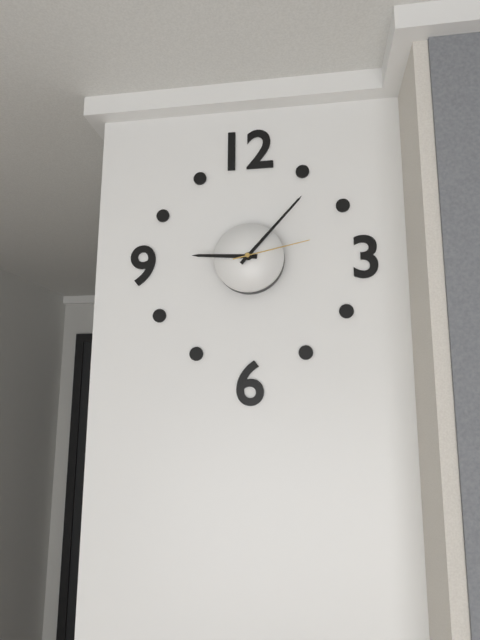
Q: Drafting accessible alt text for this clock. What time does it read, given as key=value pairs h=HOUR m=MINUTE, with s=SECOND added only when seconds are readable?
h=9 m=7 s=13
